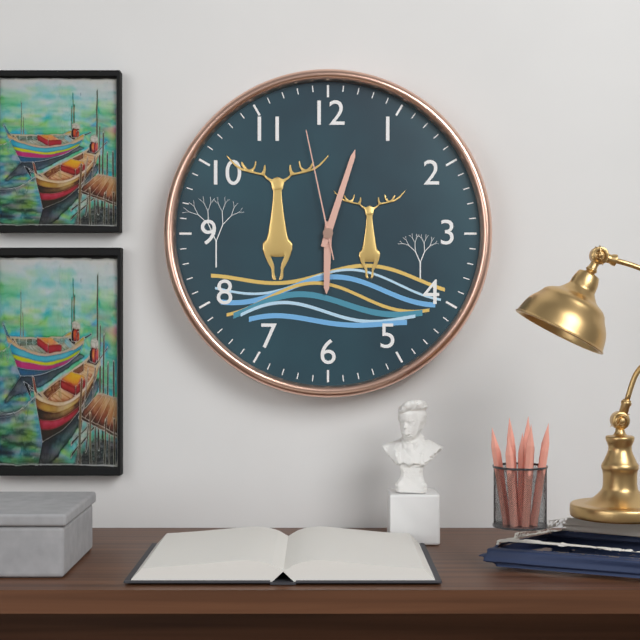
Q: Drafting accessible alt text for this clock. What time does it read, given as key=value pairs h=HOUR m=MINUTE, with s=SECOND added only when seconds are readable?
h=6 m=3 s=58
